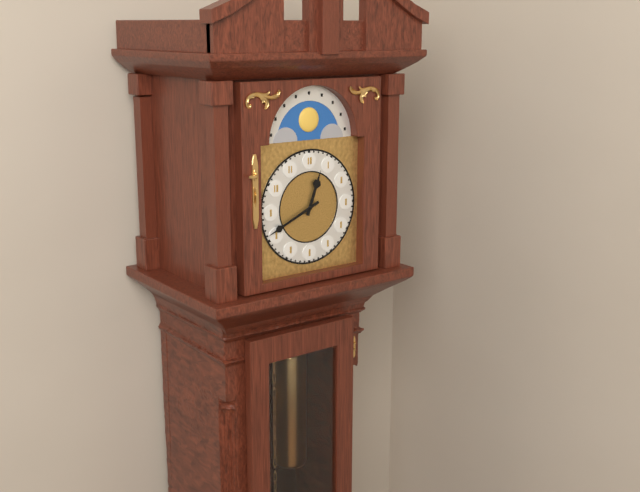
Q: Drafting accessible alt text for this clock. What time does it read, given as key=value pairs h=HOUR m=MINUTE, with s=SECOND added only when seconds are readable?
h=12 m=41
